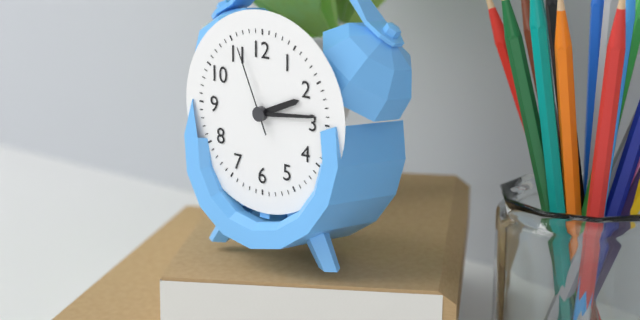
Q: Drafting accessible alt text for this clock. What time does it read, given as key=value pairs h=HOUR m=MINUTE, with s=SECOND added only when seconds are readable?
h=2 m=14 s=56
